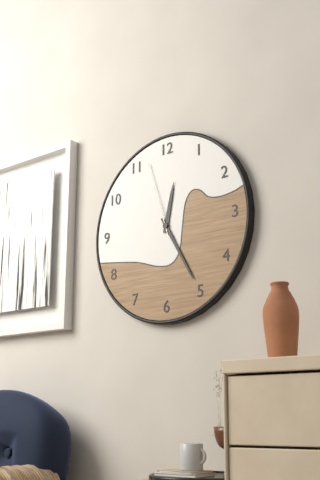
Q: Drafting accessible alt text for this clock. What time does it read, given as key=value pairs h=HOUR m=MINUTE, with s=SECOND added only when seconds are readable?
h=12 m=25 s=57
